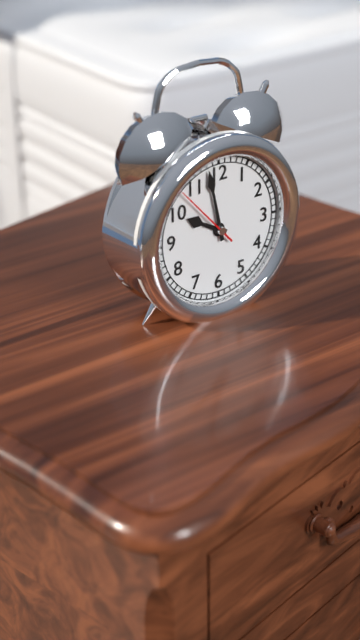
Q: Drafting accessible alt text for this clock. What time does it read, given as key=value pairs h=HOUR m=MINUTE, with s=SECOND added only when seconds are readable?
h=9 m=58 s=53
